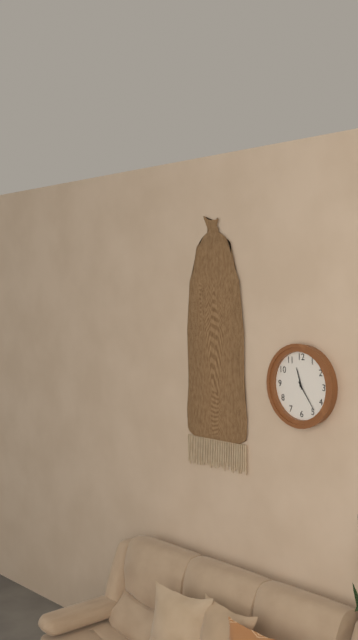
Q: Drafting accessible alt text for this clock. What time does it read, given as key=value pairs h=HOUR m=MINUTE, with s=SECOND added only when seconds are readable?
h=11 m=24
